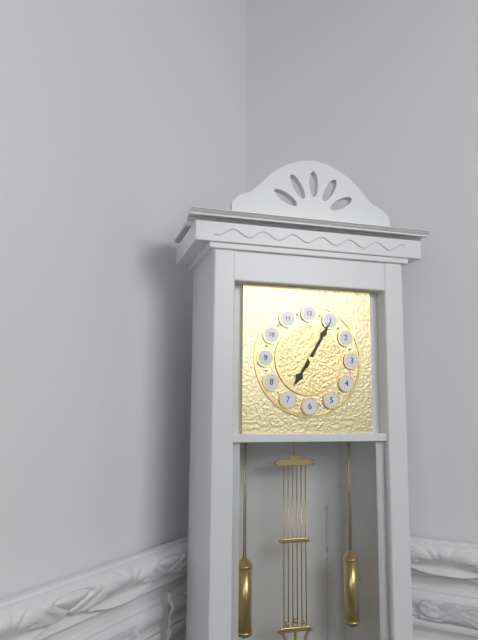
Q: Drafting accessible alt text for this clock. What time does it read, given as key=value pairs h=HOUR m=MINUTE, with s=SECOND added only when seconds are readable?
h=7 m=5
